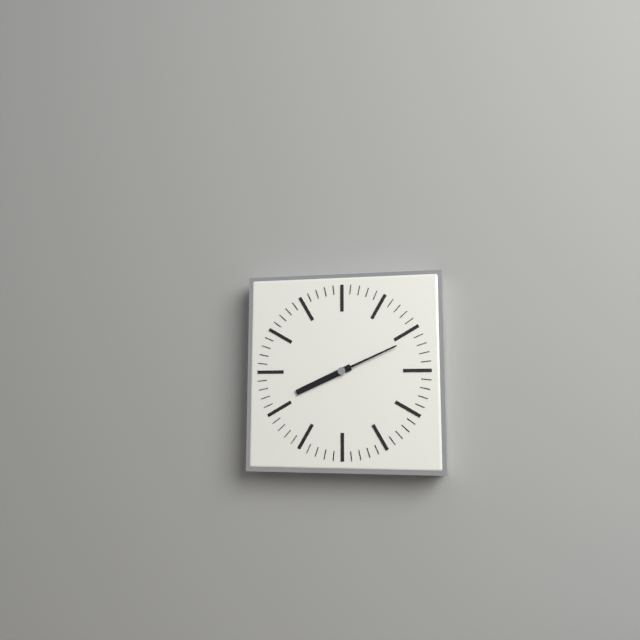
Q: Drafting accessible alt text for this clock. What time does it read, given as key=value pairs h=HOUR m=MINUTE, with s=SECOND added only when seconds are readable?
h=8 m=11
